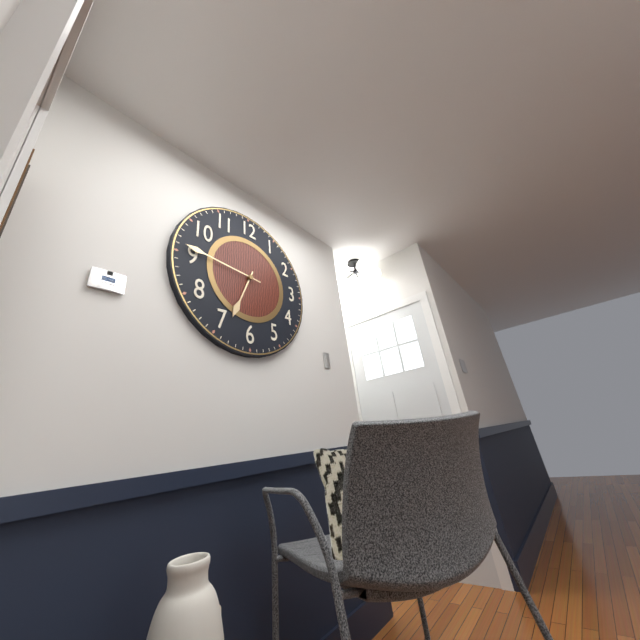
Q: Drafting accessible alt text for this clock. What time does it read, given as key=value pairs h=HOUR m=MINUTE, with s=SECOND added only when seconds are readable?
h=6 m=46
